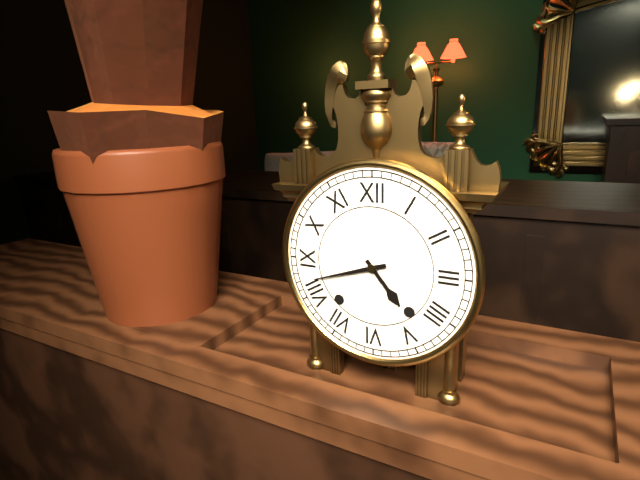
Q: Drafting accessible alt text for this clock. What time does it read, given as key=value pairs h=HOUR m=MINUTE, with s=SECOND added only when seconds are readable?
h=4 m=42
